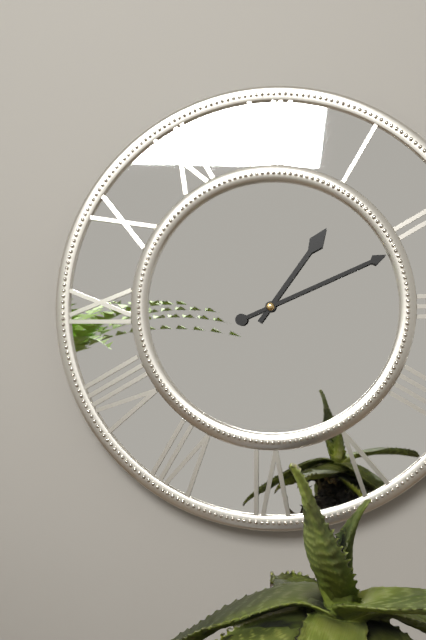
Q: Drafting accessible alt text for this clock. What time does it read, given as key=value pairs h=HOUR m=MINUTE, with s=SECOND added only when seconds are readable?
h=1 m=11
